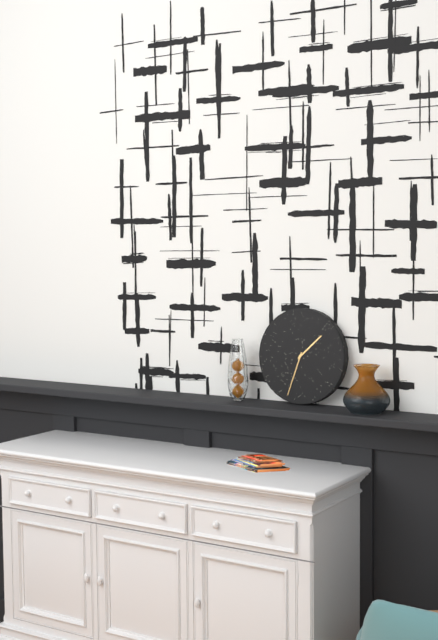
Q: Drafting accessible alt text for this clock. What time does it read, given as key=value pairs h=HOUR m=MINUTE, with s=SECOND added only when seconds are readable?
h=1 m=33
